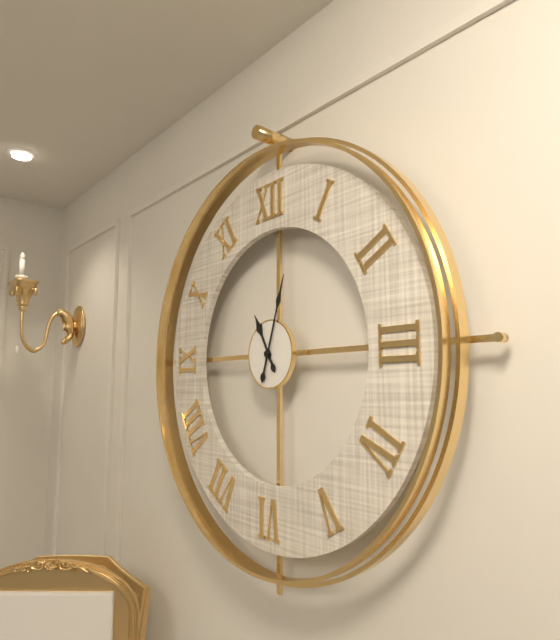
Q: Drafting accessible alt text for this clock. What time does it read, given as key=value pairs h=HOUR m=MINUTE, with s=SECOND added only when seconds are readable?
h=11 m=3
